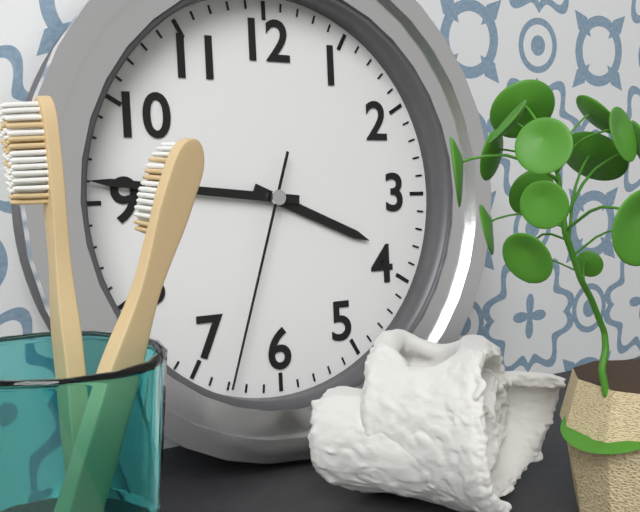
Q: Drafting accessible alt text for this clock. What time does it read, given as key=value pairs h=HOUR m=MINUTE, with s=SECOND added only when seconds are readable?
h=3 m=46 s=33
